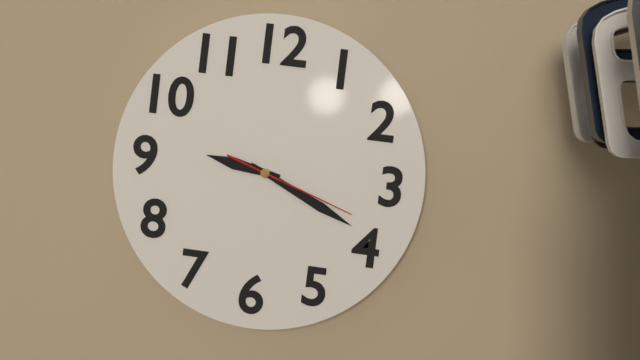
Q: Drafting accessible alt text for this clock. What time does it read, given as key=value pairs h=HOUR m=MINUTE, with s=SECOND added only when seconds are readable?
h=9 m=19 s=18
